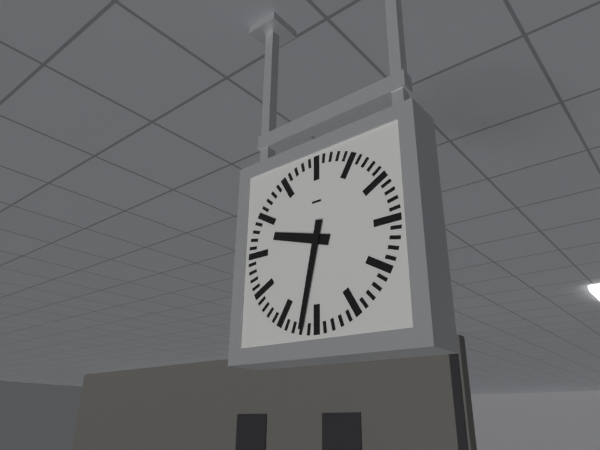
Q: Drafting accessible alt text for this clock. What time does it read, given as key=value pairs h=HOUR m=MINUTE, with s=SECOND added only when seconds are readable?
h=9 m=32
